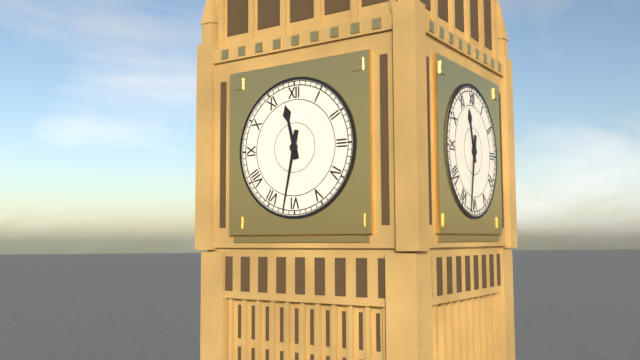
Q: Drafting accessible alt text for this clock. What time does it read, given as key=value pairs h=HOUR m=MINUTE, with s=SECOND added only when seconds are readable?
h=11 m=32
